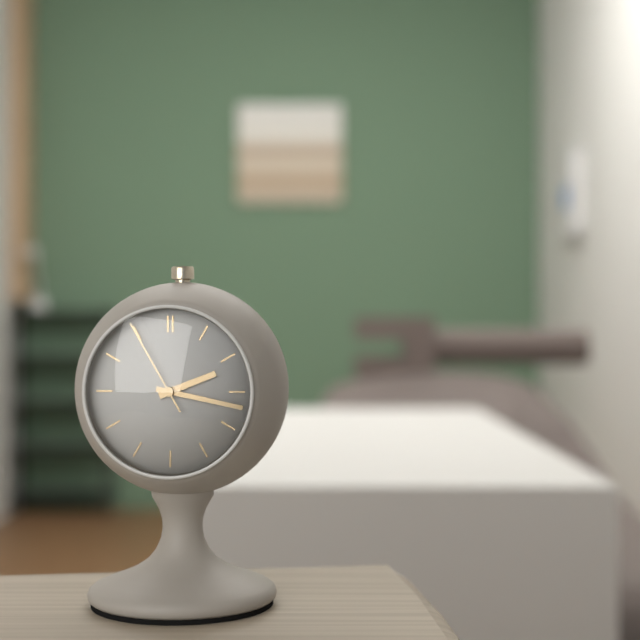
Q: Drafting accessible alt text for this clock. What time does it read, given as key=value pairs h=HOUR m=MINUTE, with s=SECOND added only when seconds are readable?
h=2 m=17 s=55
